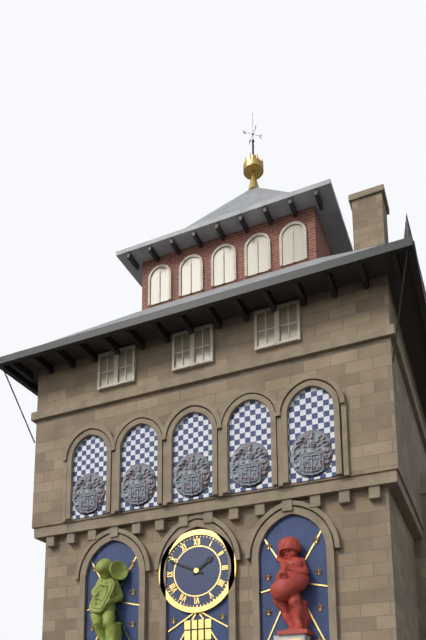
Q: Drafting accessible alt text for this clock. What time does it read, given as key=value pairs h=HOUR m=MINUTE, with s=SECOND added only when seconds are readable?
h=1 m=49
